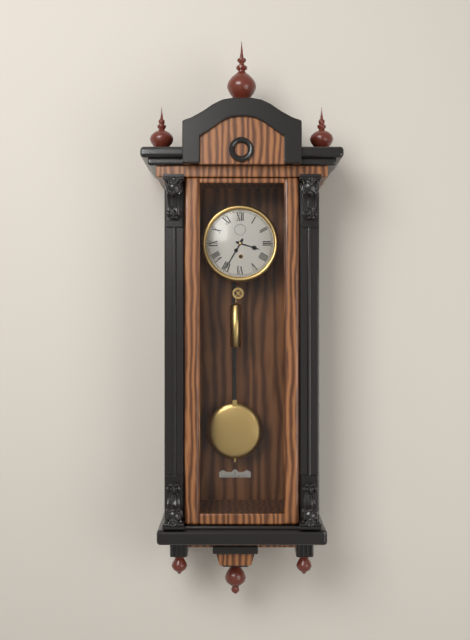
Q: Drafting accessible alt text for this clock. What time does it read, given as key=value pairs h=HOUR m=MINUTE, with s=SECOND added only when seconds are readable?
h=3 m=35
